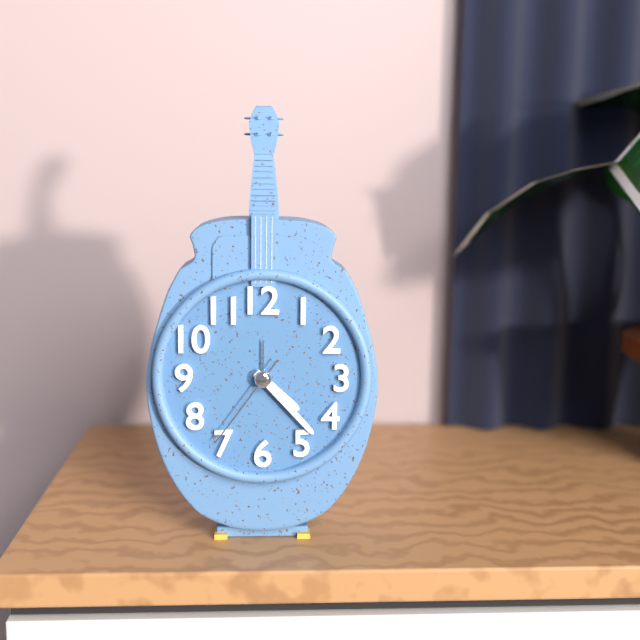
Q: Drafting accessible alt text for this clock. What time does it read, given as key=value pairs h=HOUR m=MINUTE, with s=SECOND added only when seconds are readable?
h=4 m=23 s=36
